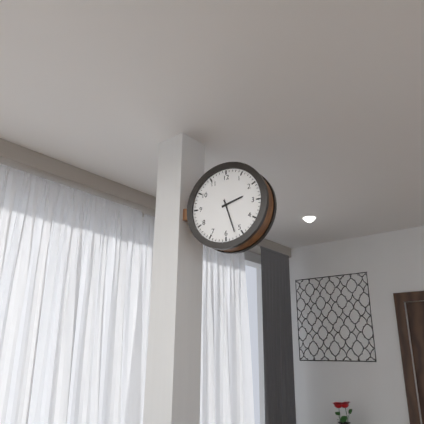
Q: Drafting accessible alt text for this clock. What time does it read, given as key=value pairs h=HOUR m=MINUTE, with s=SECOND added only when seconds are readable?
h=2 m=27
